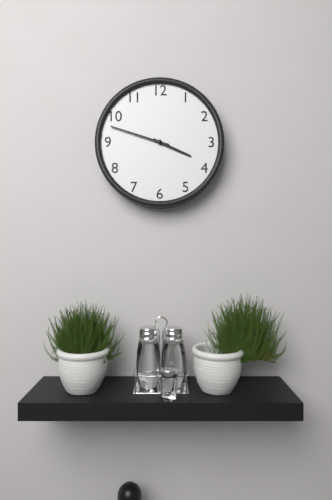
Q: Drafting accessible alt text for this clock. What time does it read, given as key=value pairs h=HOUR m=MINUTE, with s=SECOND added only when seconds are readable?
h=3 m=48
